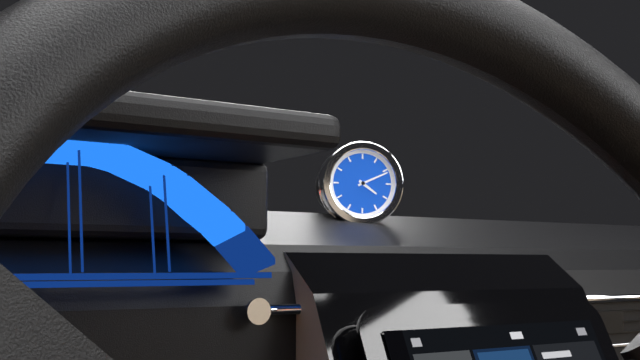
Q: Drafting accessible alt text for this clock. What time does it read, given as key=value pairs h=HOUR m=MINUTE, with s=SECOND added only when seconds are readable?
h=4 m=11
